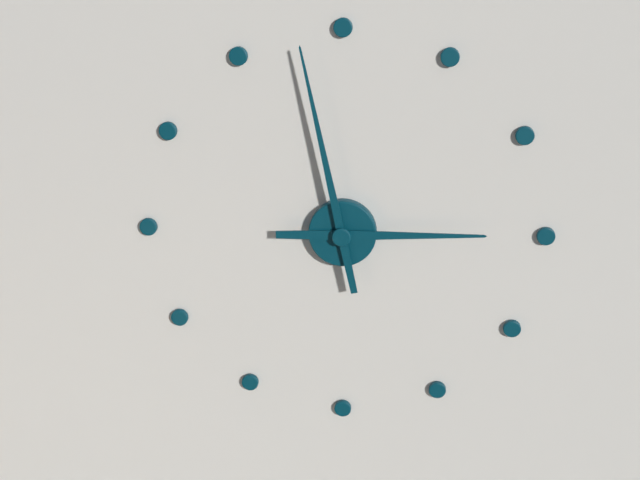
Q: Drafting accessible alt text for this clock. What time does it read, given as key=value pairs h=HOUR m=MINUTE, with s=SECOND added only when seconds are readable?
h=2 m=58
